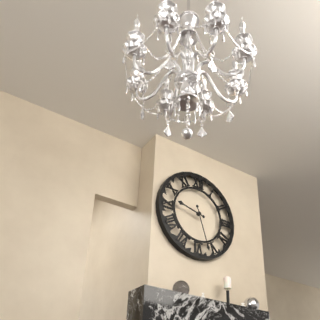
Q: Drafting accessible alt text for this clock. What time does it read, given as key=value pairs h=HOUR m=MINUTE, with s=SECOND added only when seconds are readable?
h=9 m=27
